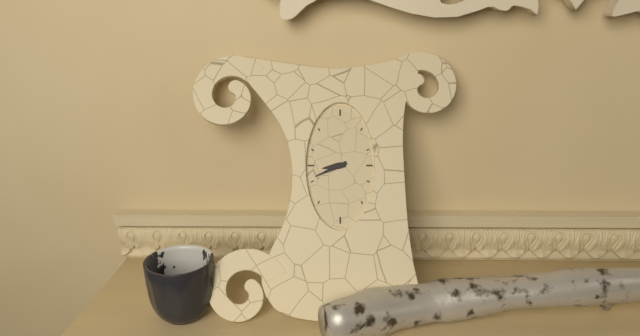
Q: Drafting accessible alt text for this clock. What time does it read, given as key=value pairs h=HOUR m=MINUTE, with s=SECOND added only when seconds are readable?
h=8 m=41
